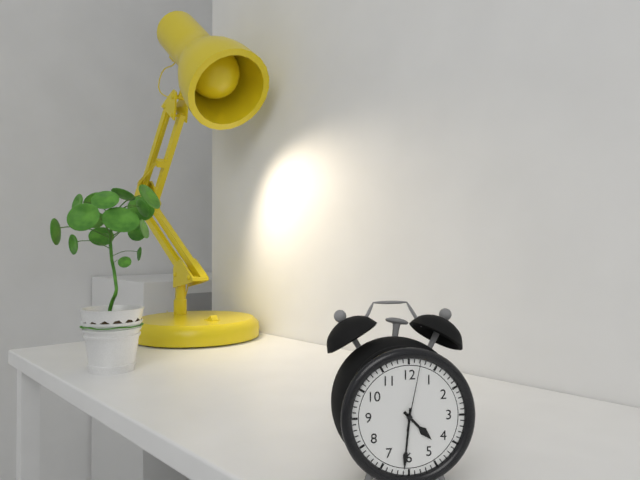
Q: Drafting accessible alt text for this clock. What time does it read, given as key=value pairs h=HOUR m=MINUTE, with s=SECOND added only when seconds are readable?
h=4 m=31 s=2
